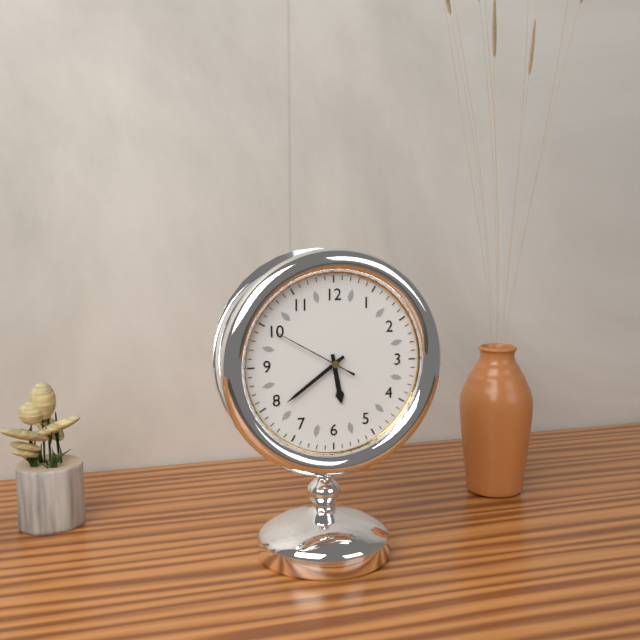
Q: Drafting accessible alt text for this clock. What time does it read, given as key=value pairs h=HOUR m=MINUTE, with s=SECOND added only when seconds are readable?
h=5 m=39 s=50
